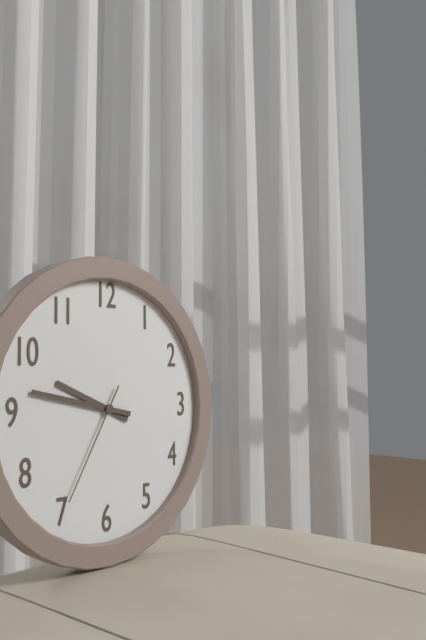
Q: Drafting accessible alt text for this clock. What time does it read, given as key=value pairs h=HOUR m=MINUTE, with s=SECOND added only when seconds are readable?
h=9 m=47 s=35
